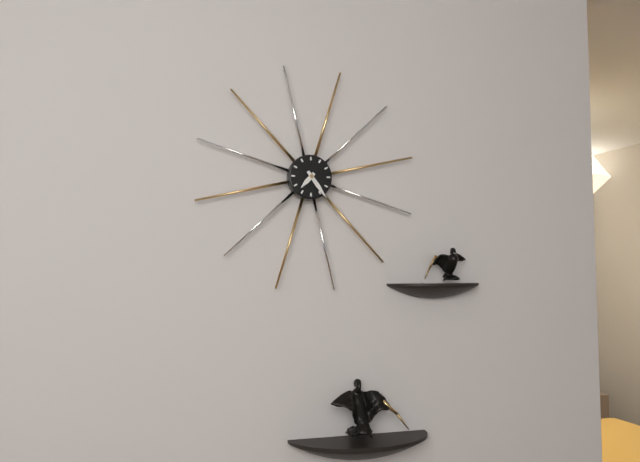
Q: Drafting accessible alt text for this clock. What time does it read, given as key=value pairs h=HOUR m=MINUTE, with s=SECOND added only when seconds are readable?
h=7 m=24
